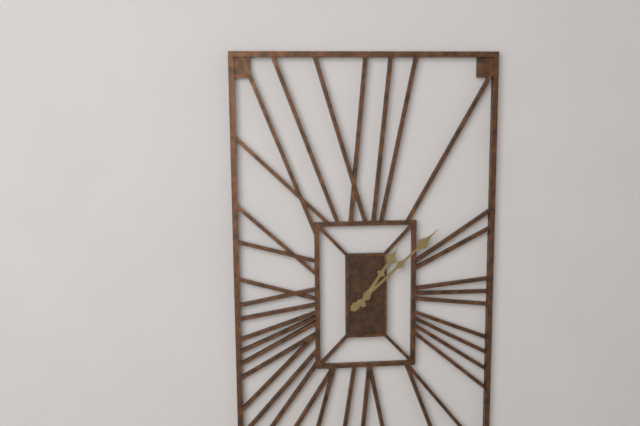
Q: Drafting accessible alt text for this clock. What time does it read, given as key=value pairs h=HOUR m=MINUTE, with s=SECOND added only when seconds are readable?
h=1 m=8
